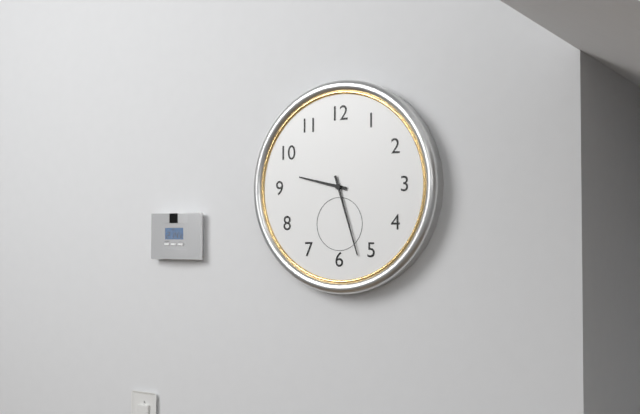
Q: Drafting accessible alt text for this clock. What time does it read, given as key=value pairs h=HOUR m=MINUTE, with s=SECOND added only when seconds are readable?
h=9 m=27
